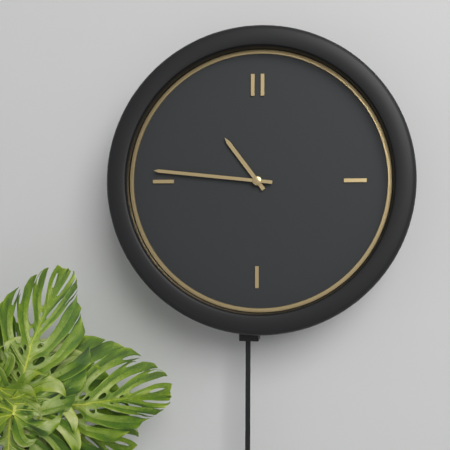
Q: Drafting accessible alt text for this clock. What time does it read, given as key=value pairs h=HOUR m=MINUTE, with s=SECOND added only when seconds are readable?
h=10 m=46
